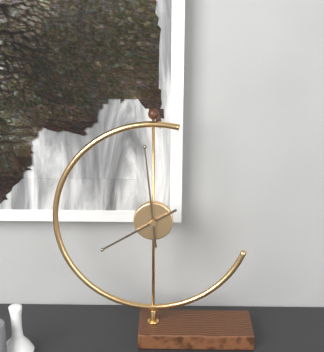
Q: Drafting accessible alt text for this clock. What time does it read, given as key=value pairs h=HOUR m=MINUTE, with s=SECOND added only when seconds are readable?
h=7 m=59
